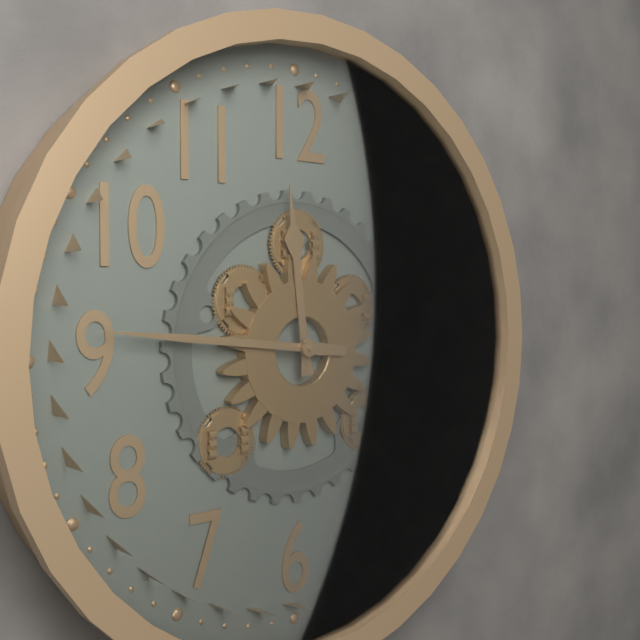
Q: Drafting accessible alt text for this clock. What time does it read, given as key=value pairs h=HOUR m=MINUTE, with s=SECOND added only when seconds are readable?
h=11 m=46
